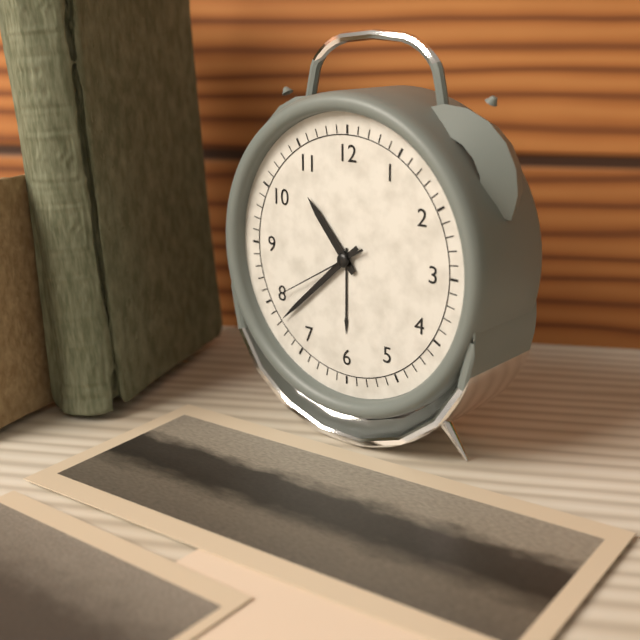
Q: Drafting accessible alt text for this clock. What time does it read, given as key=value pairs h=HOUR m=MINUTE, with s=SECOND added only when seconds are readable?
h=10 m=38 s=40
